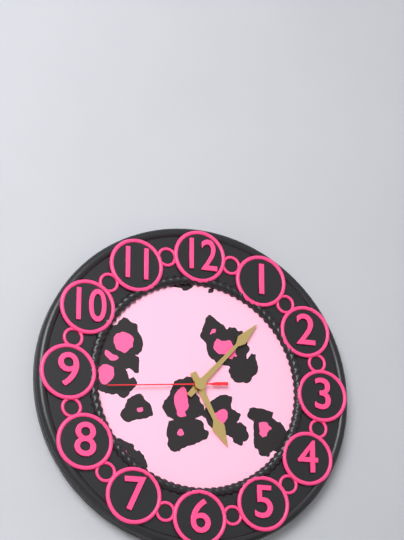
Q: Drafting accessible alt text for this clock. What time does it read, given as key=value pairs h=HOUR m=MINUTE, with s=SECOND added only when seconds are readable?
h=5 m=7 s=44
